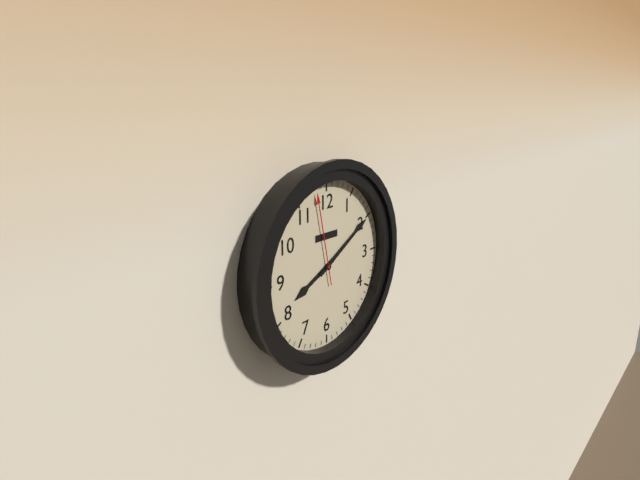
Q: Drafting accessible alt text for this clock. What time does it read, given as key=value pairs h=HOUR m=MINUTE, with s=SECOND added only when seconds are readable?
h=8 m=10 s=58
